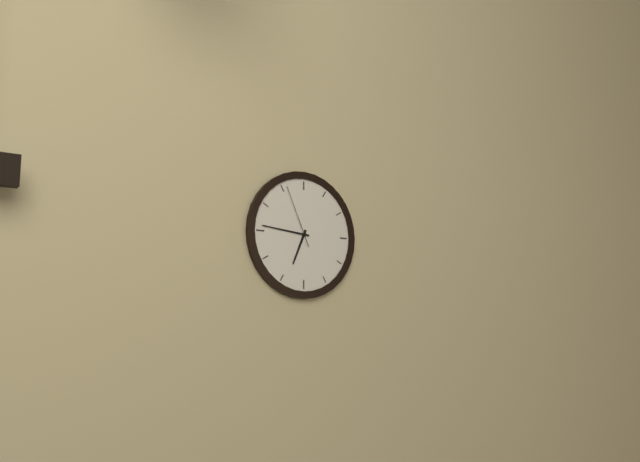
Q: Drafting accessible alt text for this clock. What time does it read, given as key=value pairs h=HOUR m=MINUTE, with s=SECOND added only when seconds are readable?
h=6 m=46 s=56
